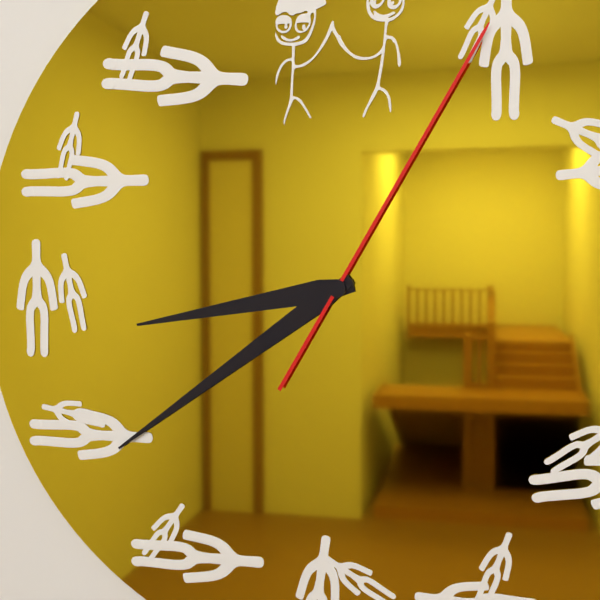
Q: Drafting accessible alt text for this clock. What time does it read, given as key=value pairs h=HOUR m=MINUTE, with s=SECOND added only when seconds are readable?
h=8 m=39 s=5
